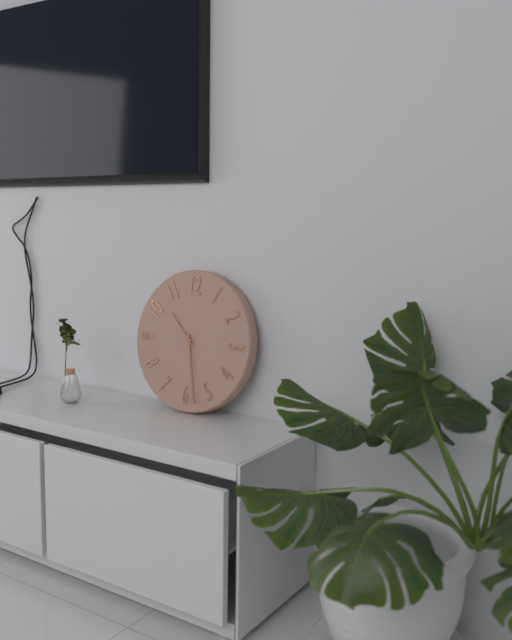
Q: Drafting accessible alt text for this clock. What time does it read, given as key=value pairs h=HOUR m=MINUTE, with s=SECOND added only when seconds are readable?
h=10 m=28
